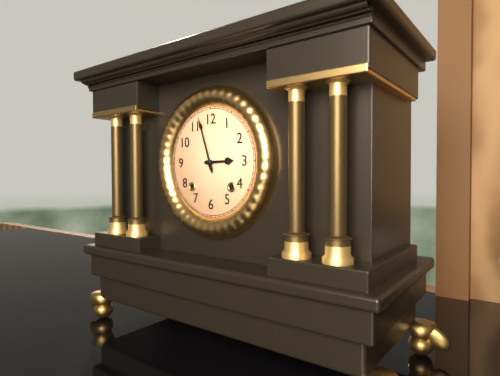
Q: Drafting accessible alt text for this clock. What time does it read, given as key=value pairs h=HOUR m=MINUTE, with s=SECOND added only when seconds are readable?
h=2 m=57
